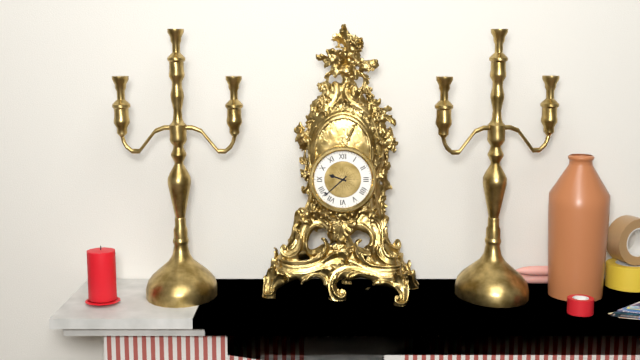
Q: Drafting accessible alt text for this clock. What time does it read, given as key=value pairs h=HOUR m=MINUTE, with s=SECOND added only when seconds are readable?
h=9 m=38
